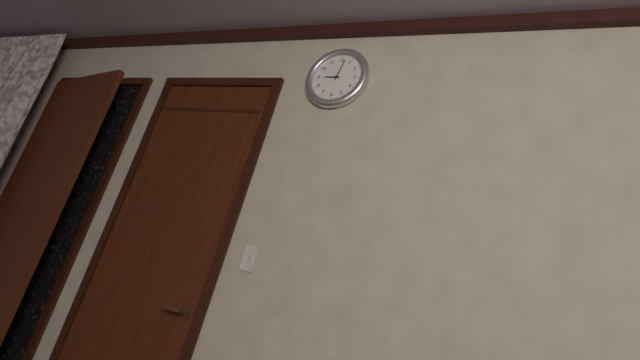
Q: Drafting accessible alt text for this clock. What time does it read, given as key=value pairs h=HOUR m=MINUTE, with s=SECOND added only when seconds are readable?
h=9 m=2
